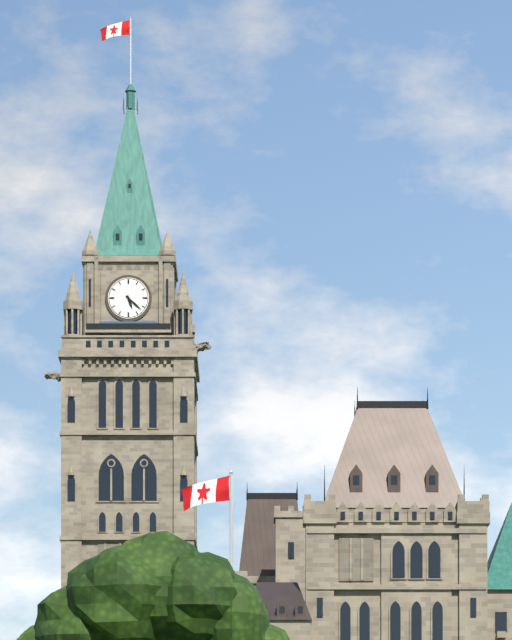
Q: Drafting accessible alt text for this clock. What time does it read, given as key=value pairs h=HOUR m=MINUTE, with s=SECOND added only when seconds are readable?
h=5 m=22
